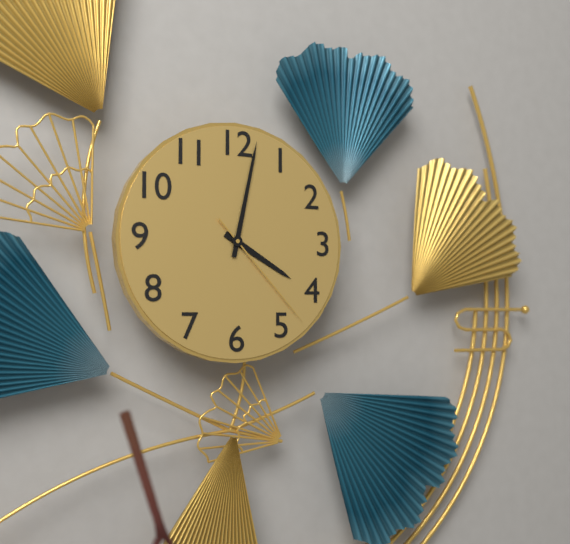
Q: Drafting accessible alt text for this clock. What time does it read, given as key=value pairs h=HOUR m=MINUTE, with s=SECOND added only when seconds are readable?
h=4 m=2 s=23
